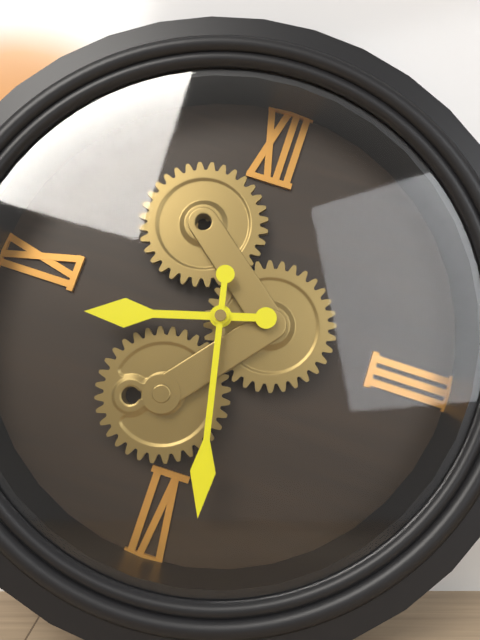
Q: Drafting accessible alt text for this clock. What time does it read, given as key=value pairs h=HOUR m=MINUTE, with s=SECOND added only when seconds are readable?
h=8 m=28
